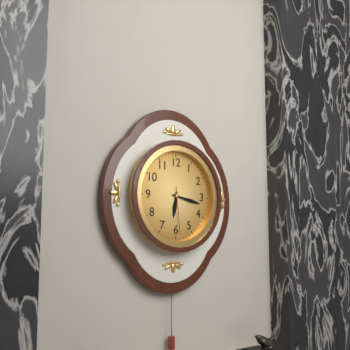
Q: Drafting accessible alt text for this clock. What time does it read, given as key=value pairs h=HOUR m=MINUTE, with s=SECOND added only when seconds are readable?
h=6 m=17
